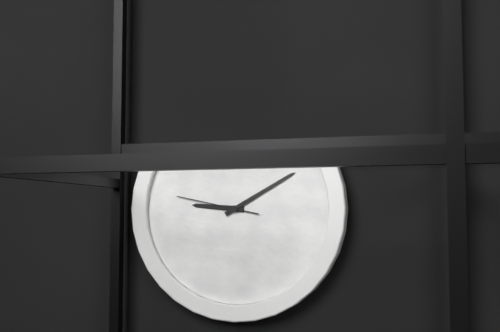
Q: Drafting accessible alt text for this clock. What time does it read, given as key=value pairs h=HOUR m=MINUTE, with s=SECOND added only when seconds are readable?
h=9 m=10 s=47
